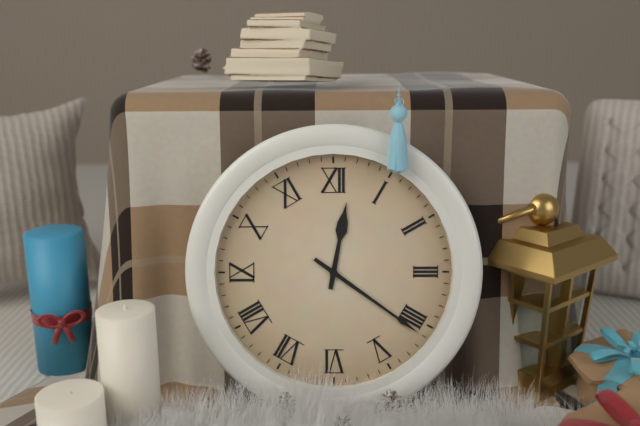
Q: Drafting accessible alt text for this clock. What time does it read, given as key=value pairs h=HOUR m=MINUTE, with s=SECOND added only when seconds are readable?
h=12 m=21
